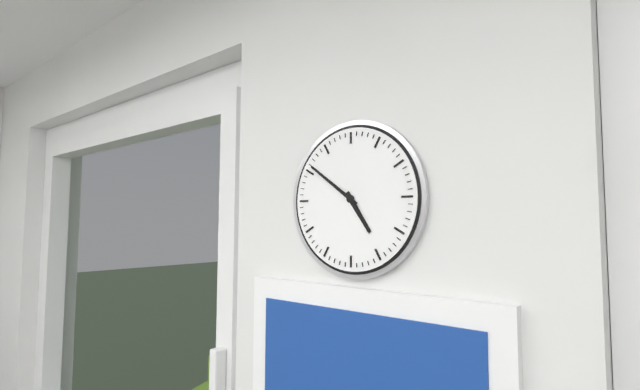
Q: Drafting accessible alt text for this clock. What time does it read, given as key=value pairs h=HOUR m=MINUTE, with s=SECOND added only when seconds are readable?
h=4 m=51
